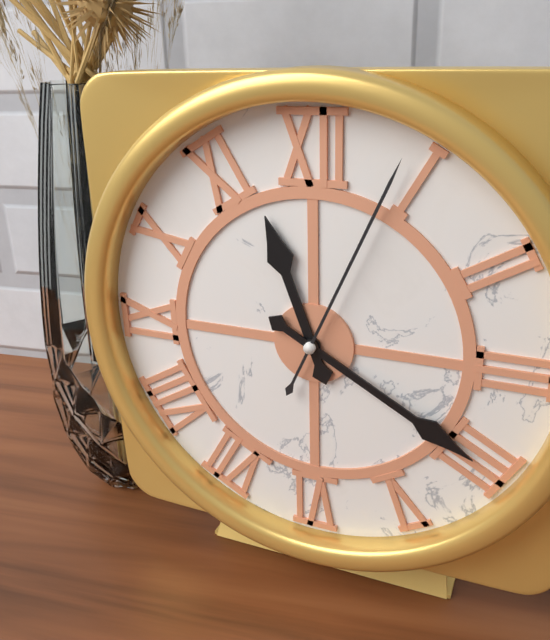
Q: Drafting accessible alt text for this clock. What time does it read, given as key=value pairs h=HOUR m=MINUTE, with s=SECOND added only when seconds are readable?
h=11 m=20 s=4
